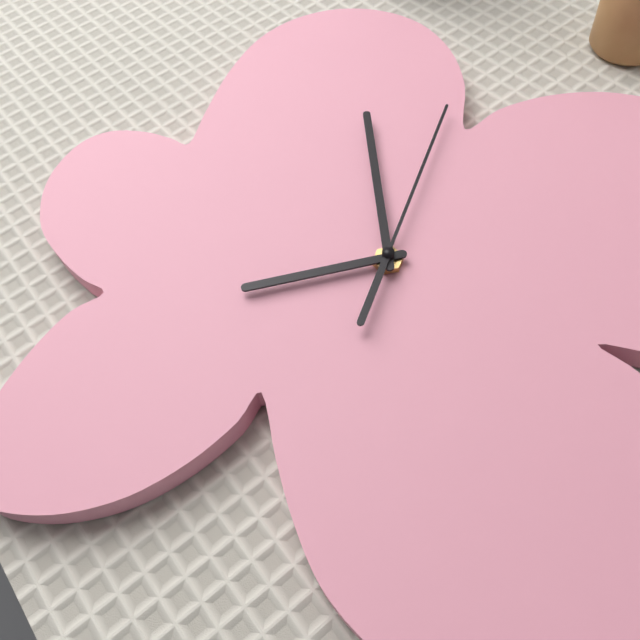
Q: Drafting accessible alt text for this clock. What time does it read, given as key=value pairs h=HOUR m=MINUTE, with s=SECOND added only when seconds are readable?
h=7 m=56 s=0
